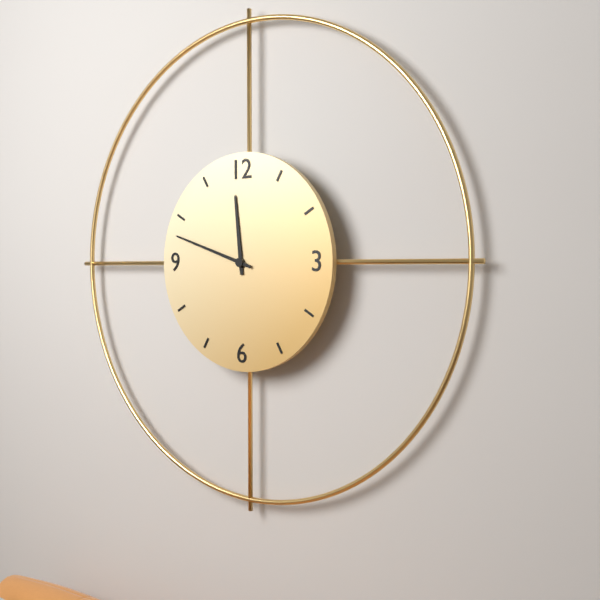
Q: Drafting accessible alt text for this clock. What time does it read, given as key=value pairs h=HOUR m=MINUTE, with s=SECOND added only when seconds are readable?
h=11 m=48
